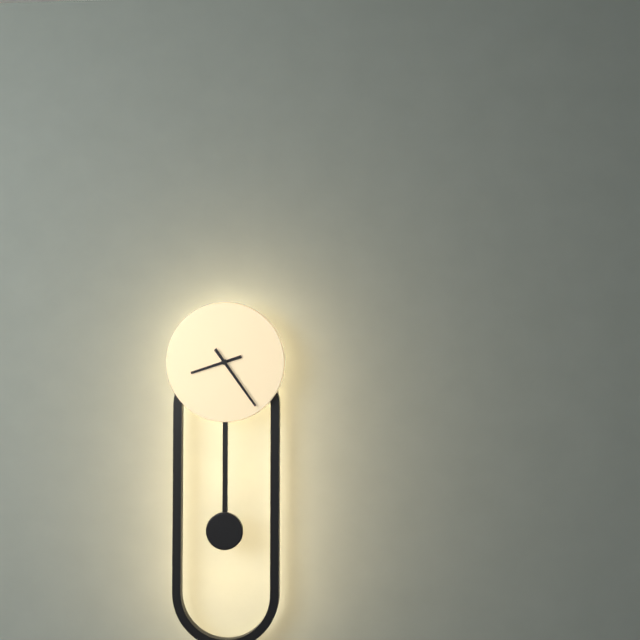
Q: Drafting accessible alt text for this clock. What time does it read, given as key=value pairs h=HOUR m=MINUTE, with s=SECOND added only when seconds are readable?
h=8 m=24
